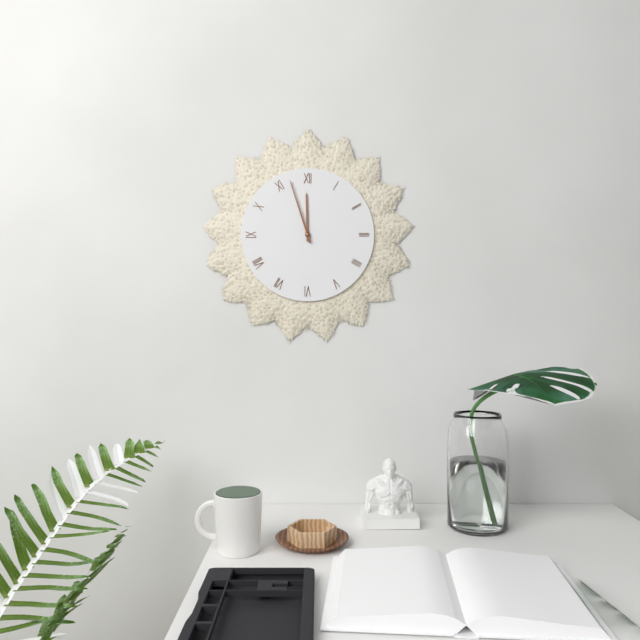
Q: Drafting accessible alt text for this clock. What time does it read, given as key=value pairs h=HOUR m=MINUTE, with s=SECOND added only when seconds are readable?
h=11 m=57
